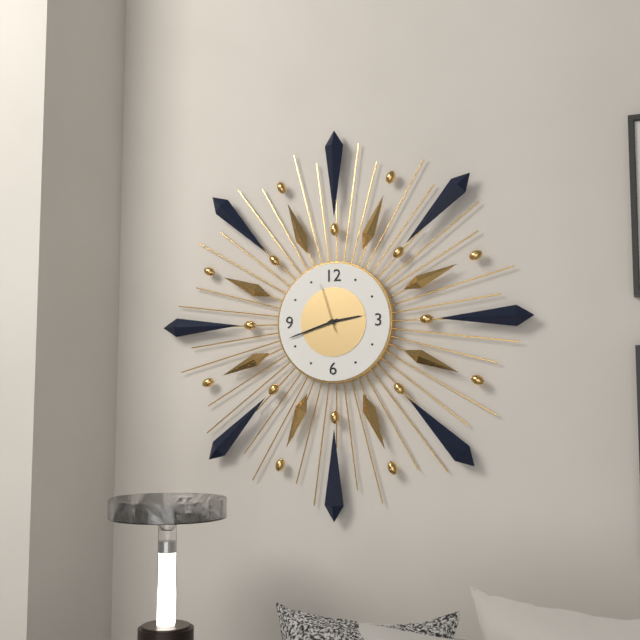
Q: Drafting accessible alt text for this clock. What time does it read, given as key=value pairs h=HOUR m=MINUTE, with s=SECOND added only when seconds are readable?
h=2 m=42 s=57
